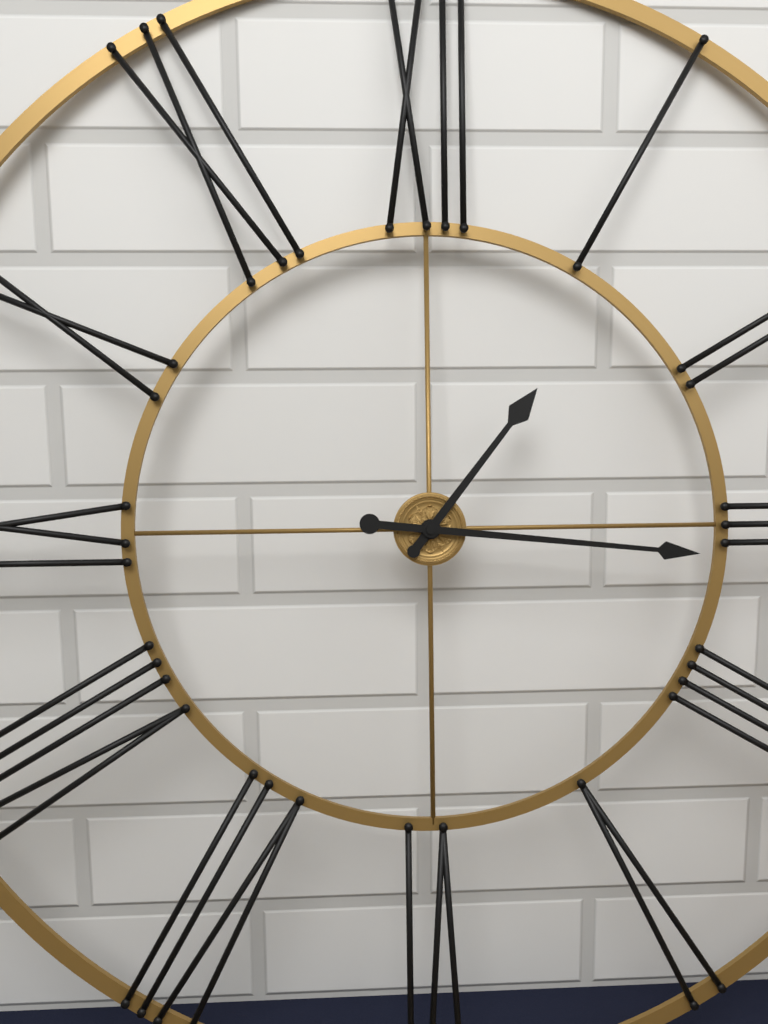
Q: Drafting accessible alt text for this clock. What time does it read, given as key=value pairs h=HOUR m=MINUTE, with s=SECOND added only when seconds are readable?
h=1 m=16
